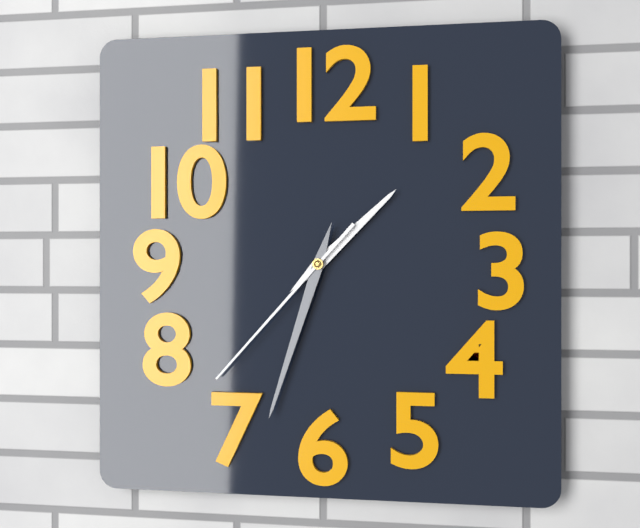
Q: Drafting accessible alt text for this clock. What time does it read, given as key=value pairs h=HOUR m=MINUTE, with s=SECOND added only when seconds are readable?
h=1 m=33 s=37
